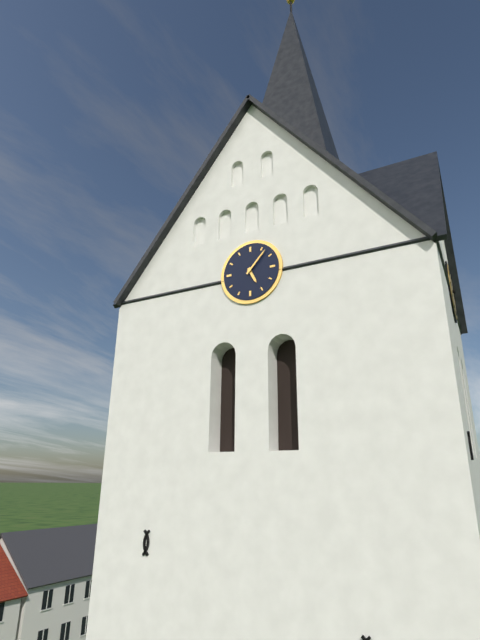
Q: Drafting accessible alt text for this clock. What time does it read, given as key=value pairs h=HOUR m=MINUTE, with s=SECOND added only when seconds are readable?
h=5 m=7
